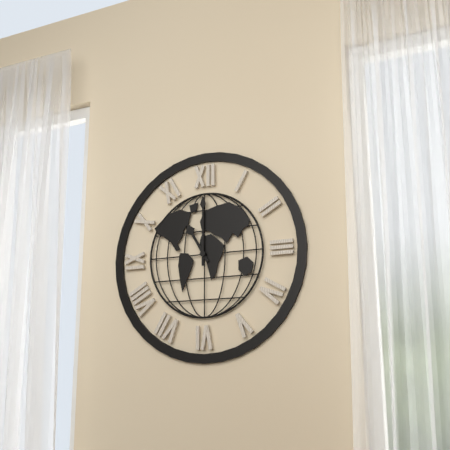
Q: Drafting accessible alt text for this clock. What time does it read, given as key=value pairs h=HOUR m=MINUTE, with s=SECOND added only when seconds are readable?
h=11 m=0
